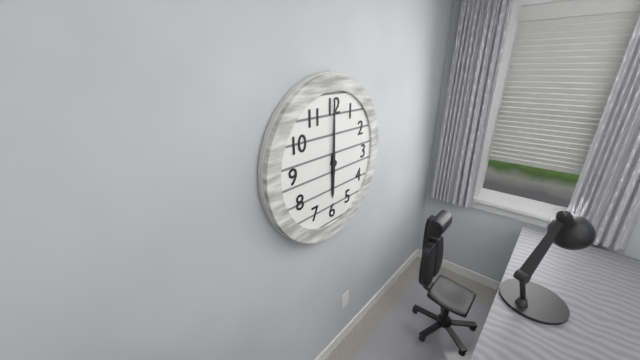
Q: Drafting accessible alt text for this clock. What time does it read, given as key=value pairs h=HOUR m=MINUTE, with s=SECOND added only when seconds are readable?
h=6 m=0
